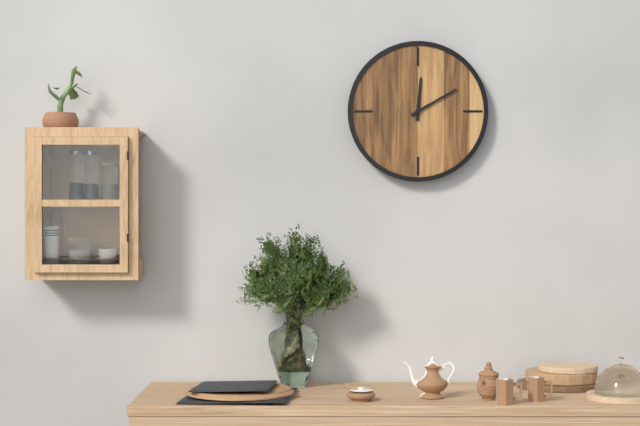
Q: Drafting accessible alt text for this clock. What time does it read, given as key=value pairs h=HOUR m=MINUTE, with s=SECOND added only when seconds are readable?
h=12 m=10
